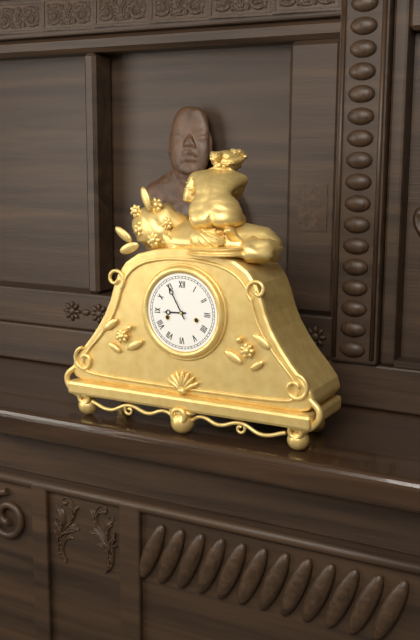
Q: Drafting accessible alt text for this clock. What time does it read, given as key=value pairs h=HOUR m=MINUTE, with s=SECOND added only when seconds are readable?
h=8 m=55
